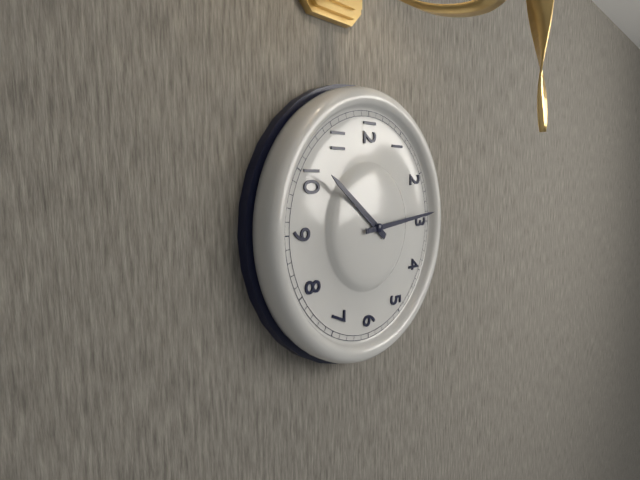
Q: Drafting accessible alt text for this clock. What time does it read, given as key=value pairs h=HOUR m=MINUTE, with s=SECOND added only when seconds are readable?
h=10 m=14
